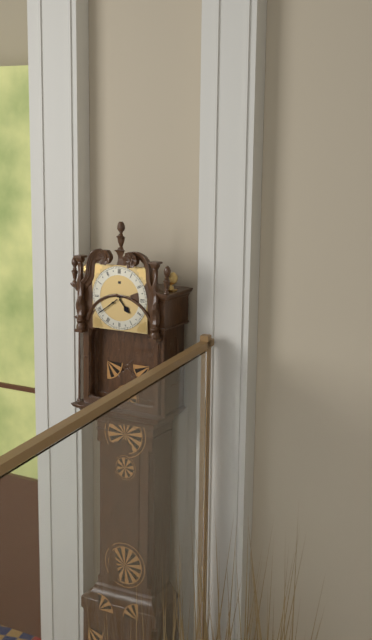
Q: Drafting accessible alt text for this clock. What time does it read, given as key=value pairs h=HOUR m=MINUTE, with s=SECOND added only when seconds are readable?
h=4 m=39
